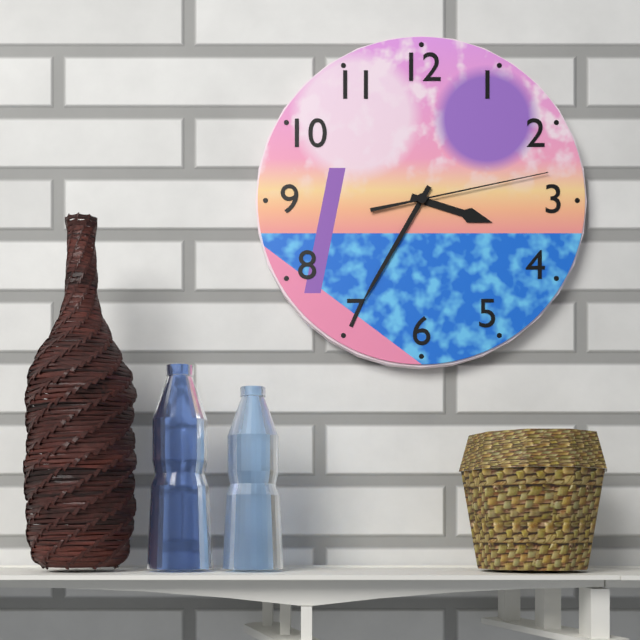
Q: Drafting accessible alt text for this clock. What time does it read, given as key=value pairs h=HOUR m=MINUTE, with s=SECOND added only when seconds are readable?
h=3 m=35 s=13
